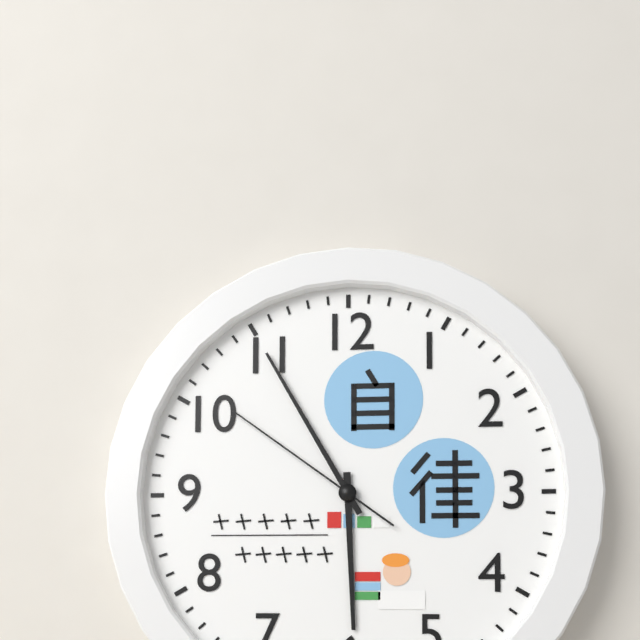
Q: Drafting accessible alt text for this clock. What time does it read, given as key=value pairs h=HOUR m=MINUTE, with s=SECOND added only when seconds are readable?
h=5 m=55 s=51
